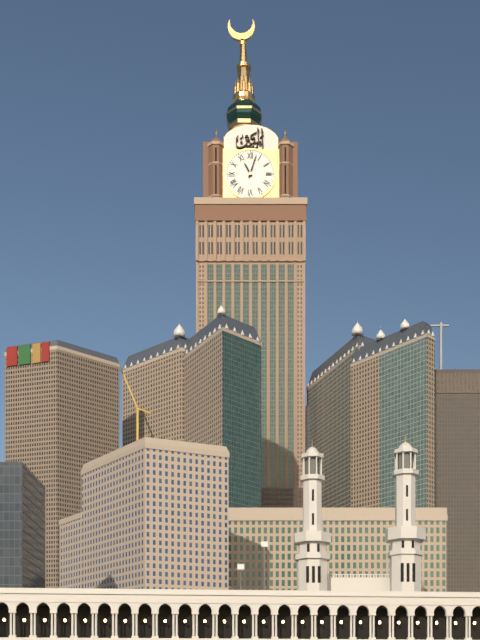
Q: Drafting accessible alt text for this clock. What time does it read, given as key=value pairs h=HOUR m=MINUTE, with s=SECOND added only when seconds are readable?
h=11 m=3
